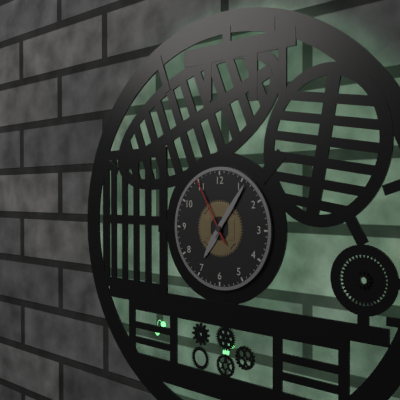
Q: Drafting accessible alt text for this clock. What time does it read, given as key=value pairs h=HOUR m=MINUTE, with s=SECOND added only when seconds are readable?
h=7 m=6 s=55
